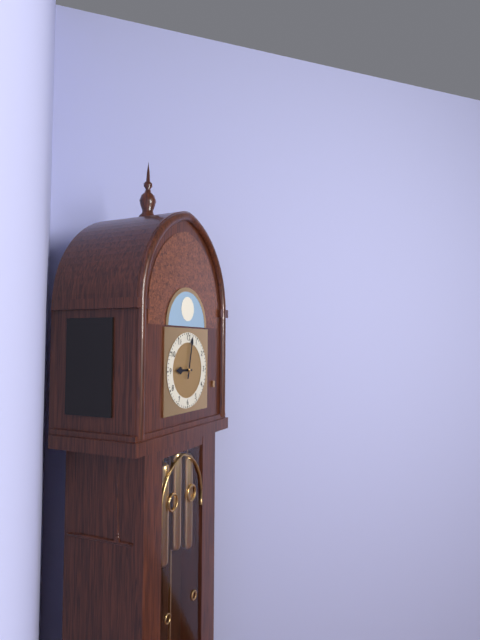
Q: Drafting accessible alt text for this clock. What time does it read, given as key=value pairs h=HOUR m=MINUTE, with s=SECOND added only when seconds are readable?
h=9 m=2
